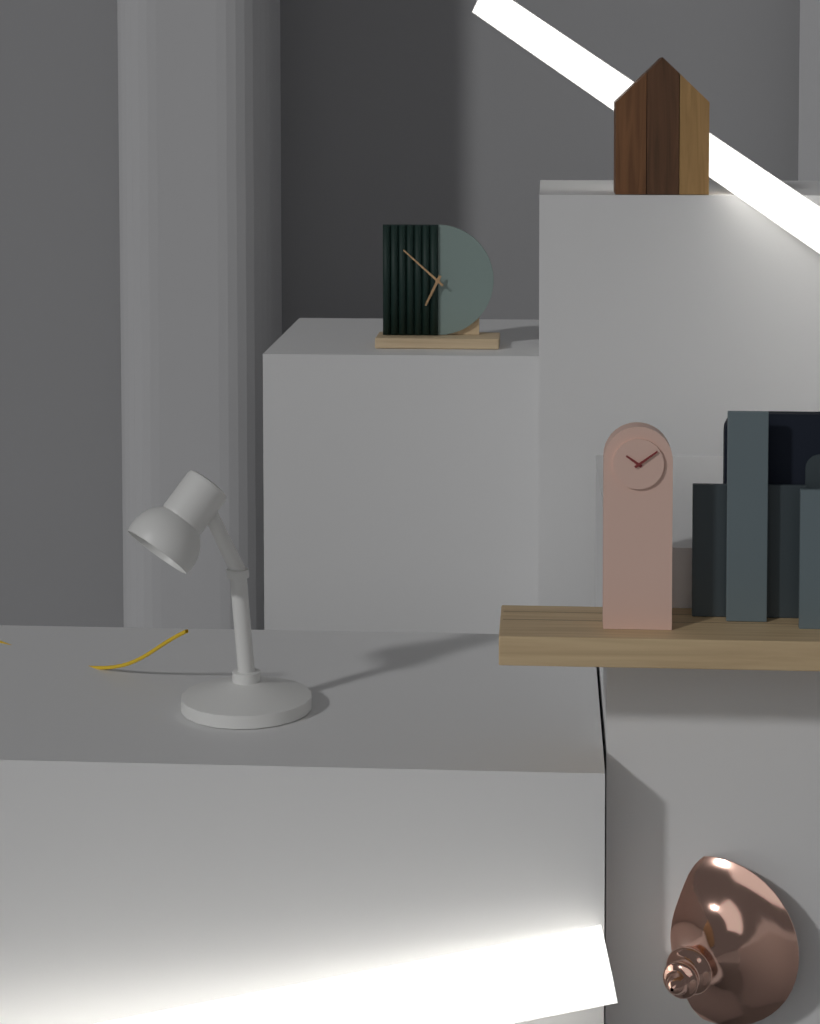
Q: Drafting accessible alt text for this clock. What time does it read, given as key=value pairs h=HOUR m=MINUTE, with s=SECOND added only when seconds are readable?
h=6 m=52
